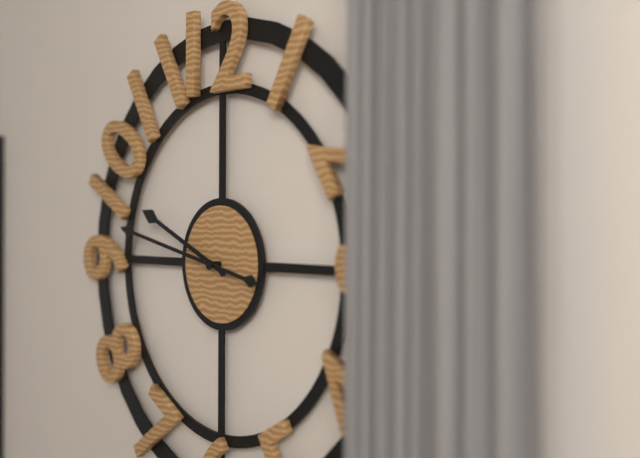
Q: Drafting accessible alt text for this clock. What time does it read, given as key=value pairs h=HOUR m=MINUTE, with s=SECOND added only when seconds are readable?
h=9 m=47
